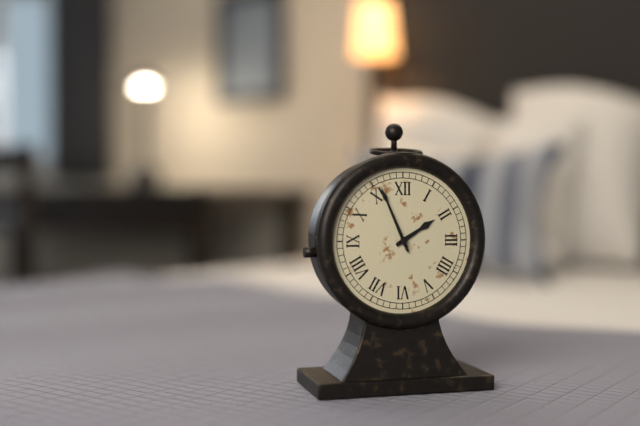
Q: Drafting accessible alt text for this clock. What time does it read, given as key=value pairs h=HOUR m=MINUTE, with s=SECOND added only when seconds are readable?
h=1 m=56
